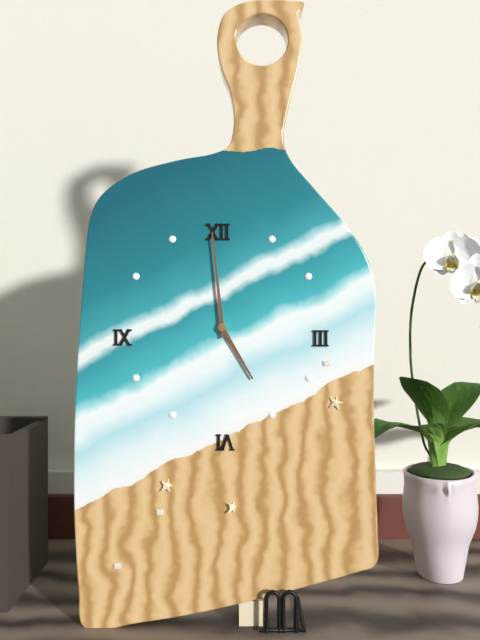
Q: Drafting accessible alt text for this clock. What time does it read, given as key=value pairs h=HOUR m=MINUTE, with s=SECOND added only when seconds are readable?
h=4 m=59
